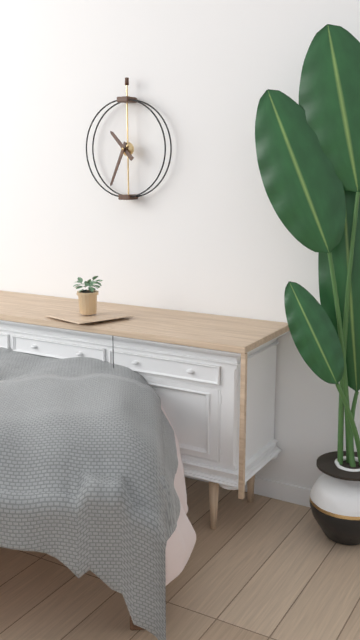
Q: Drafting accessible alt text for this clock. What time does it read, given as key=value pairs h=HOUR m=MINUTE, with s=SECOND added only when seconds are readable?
h=10 m=34
